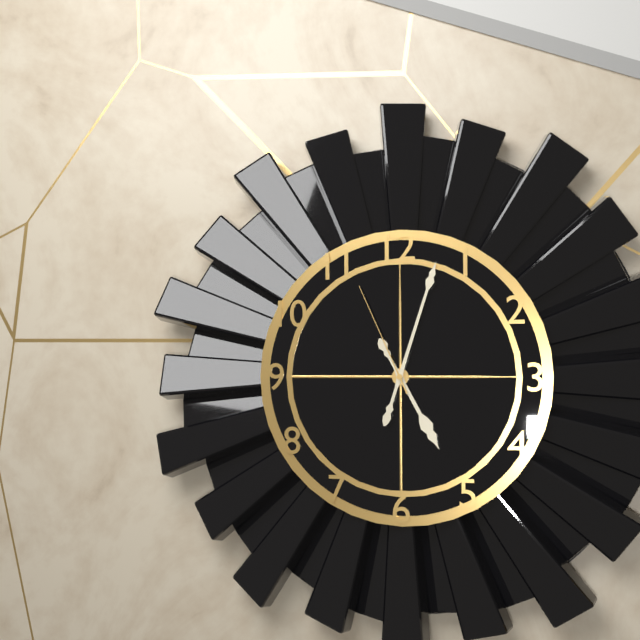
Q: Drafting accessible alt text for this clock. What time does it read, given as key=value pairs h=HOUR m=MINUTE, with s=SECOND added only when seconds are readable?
h=5 m=3 s=56
